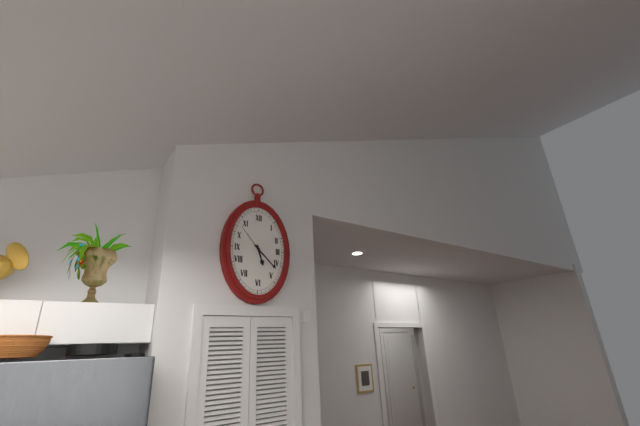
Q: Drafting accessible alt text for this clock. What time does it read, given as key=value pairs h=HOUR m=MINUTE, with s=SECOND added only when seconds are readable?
h=5 m=22
